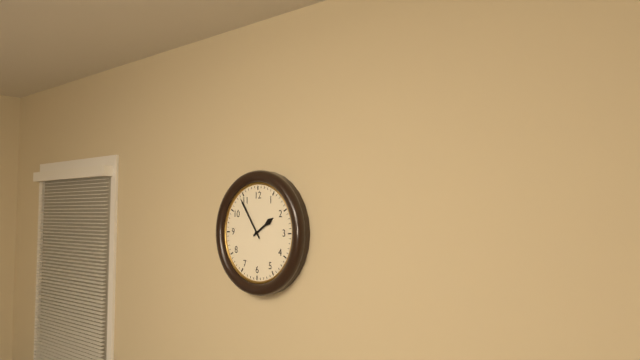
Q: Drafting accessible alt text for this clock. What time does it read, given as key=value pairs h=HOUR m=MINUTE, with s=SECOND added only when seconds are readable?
h=1 m=54
